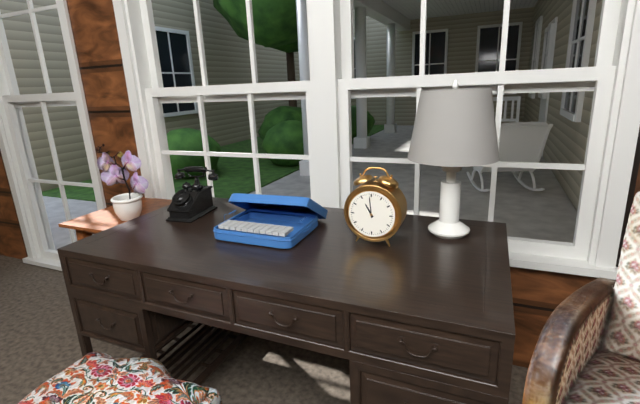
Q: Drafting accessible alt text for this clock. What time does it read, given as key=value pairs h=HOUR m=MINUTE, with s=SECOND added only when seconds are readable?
h=10 m=59
